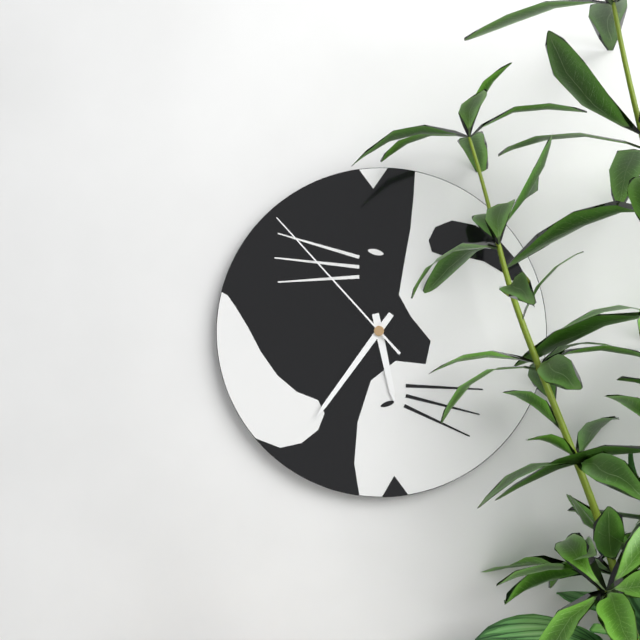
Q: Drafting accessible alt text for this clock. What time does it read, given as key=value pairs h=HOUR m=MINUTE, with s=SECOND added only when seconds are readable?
h=5 m=36 s=53
